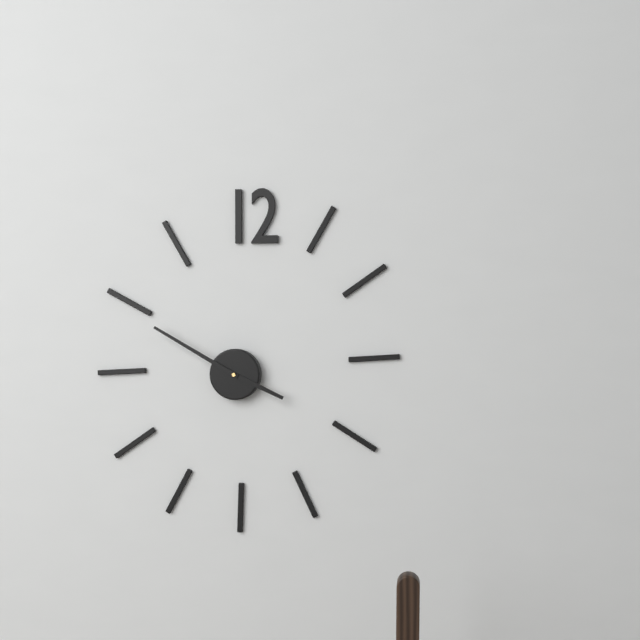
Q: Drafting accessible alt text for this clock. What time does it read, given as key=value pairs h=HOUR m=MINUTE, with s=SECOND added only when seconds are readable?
h=3 m=50
